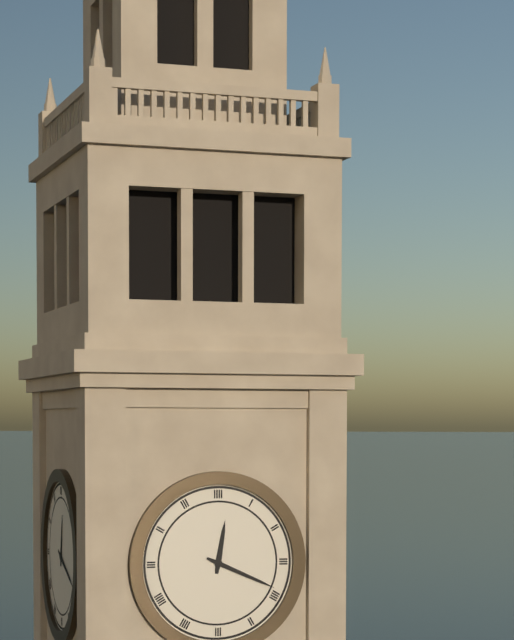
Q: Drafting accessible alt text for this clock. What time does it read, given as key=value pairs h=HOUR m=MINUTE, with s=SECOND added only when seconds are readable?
h=12 m=19
